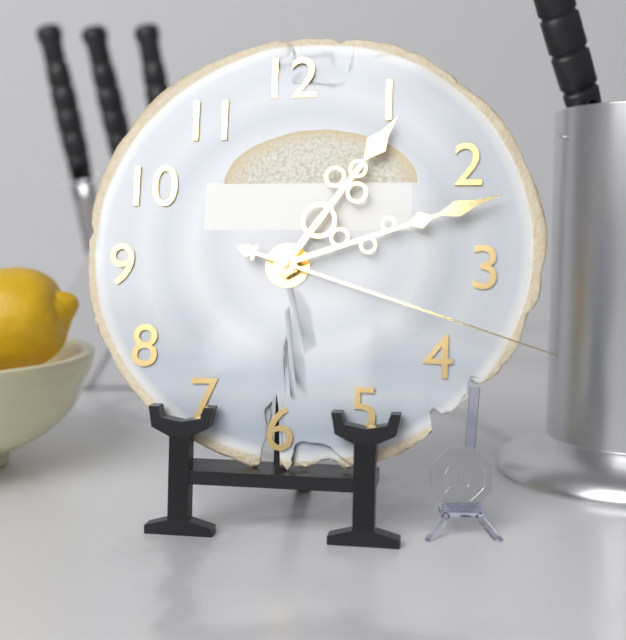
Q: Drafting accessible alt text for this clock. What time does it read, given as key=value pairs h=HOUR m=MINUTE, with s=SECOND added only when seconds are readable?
h=1 m=12 s=18
